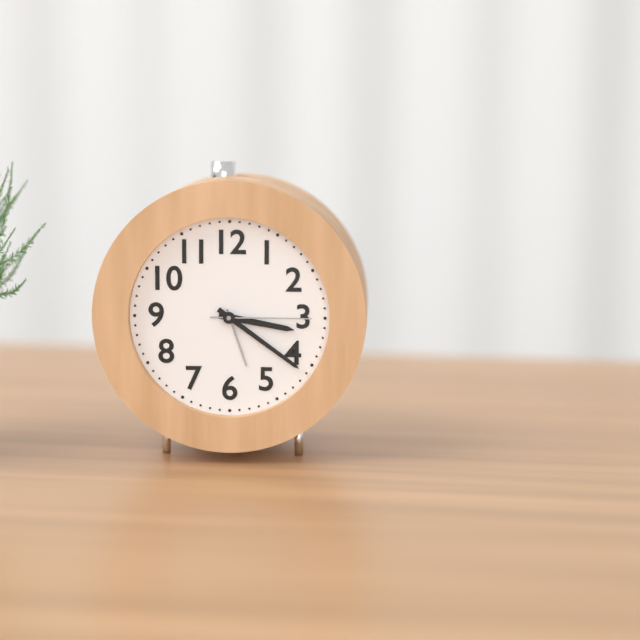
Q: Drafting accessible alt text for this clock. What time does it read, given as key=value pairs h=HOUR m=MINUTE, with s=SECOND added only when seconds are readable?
h=3 m=21 s=15
